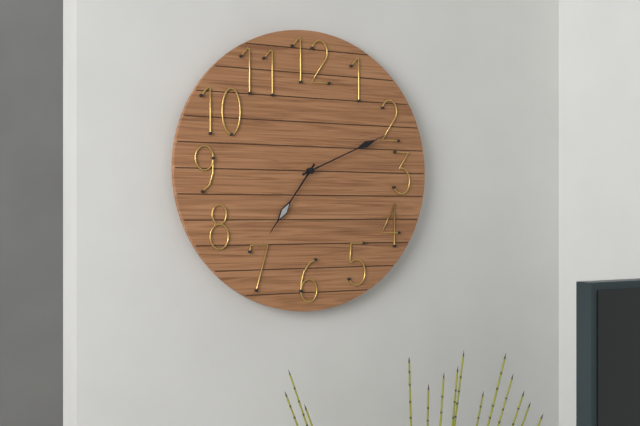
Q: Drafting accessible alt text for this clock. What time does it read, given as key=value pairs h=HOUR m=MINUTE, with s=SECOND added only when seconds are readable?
h=7 m=11
